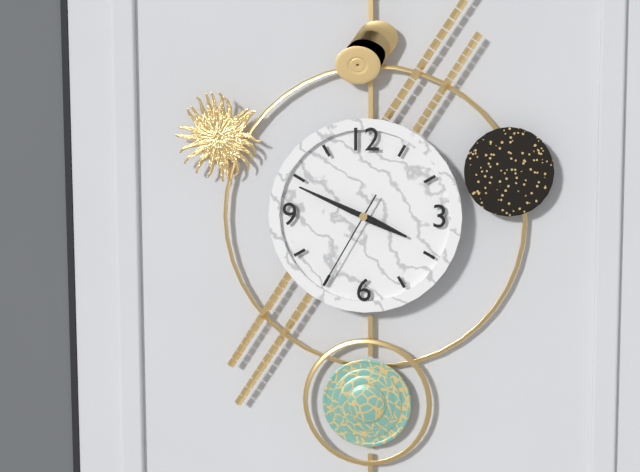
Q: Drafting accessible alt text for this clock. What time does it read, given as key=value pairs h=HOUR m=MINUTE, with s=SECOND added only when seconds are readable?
h=3 m=49 s=35
